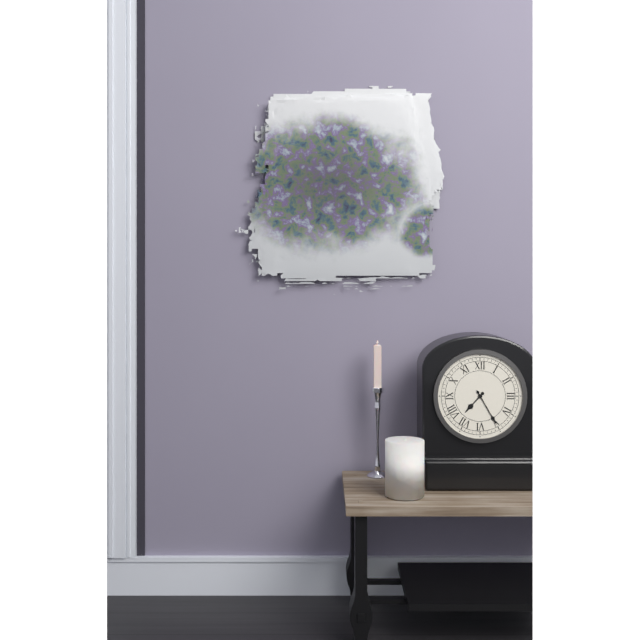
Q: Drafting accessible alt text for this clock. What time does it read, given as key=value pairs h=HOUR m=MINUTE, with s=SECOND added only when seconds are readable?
h=7 m=25
